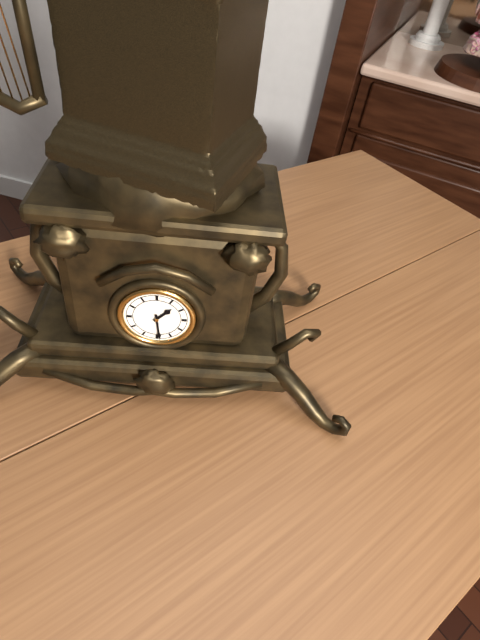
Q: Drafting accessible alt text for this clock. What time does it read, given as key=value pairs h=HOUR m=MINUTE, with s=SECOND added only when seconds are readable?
h=1 m=29
